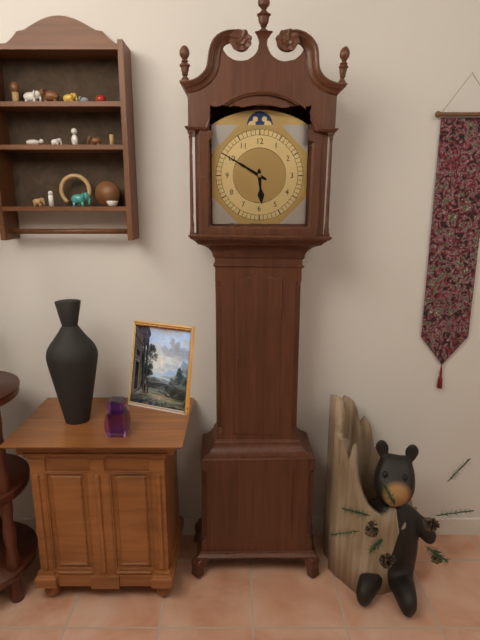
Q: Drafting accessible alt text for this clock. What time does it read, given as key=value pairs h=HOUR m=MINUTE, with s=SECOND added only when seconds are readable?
h=5 m=50
